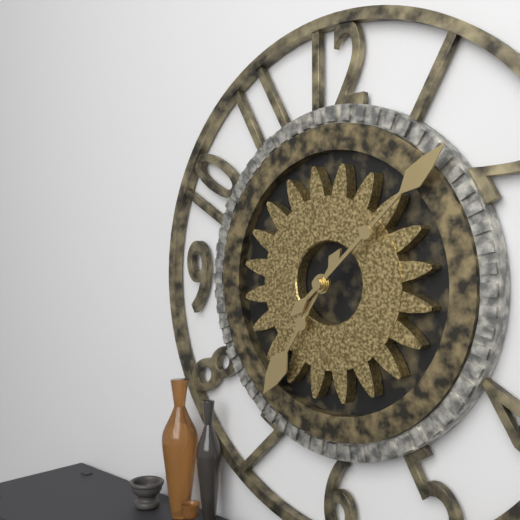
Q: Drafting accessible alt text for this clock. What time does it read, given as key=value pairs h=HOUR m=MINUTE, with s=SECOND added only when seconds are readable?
h=7 m=8
